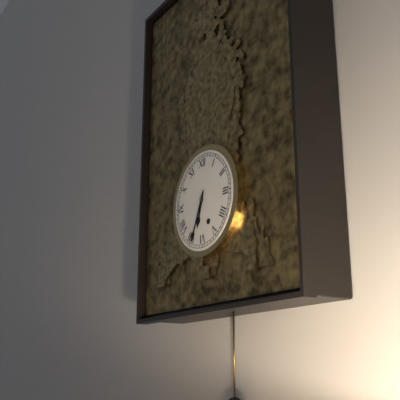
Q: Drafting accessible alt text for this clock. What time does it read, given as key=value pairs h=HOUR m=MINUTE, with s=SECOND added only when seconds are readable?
h=6 m=34
